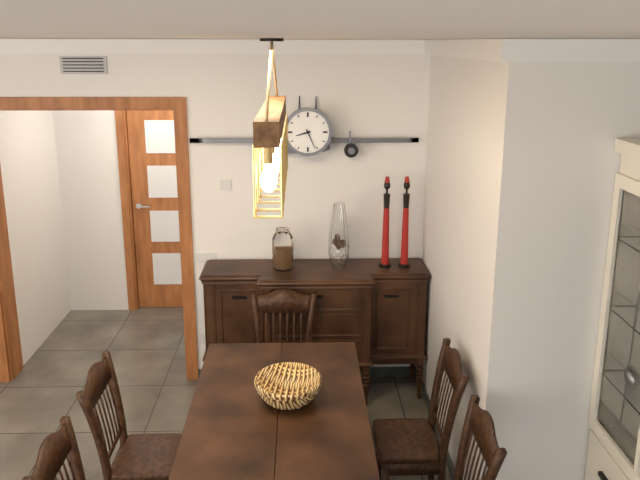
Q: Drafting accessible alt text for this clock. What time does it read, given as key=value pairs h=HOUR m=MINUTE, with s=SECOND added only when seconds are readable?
h=8 m=26
